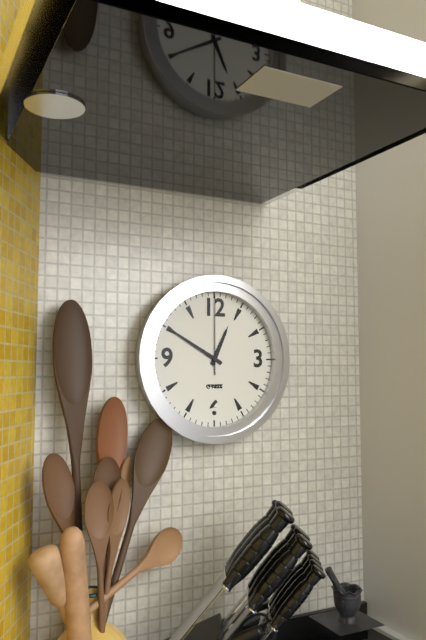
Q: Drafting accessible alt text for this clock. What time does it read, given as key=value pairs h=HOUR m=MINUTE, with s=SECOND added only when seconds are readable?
h=12 m=50 s=0
